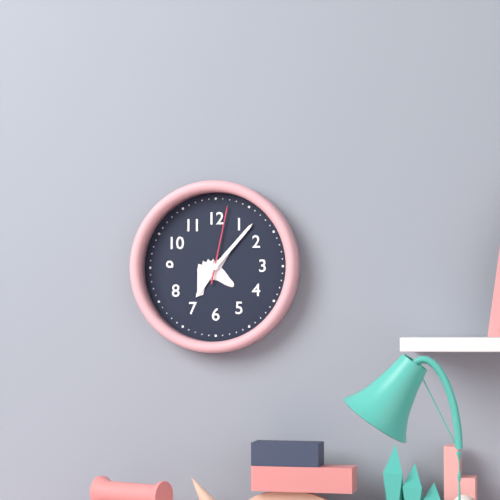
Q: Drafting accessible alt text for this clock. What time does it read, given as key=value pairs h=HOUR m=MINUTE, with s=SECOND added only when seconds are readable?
h=7 m=7 s=2
